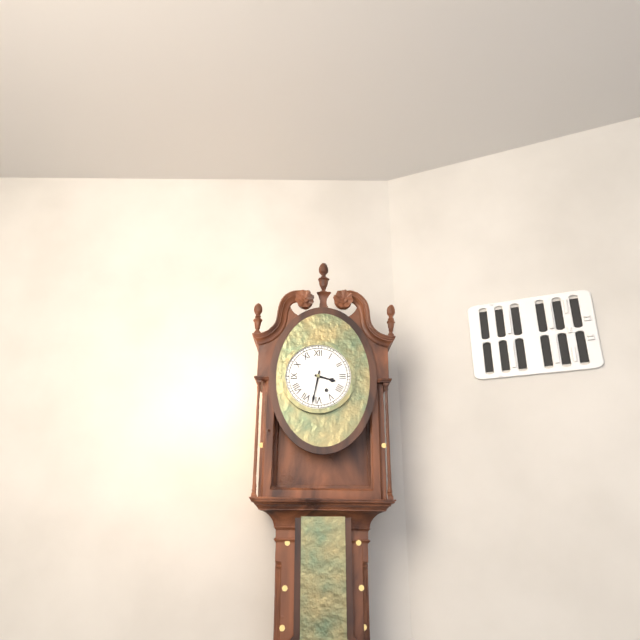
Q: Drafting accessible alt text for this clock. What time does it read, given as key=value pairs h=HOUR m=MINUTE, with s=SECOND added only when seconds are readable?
h=3 m=32
